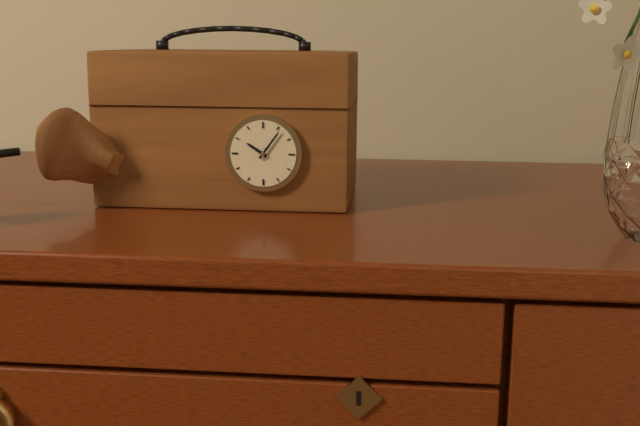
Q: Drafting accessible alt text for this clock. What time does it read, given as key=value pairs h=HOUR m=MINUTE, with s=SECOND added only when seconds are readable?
h=10 m=6
